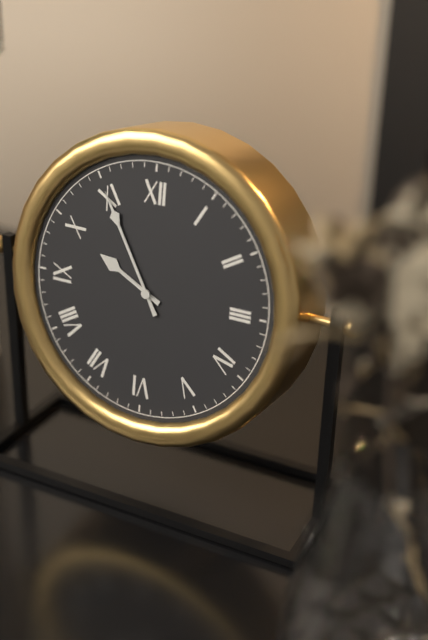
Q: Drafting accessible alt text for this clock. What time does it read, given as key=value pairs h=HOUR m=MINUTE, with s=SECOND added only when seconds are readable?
h=9 m=55
